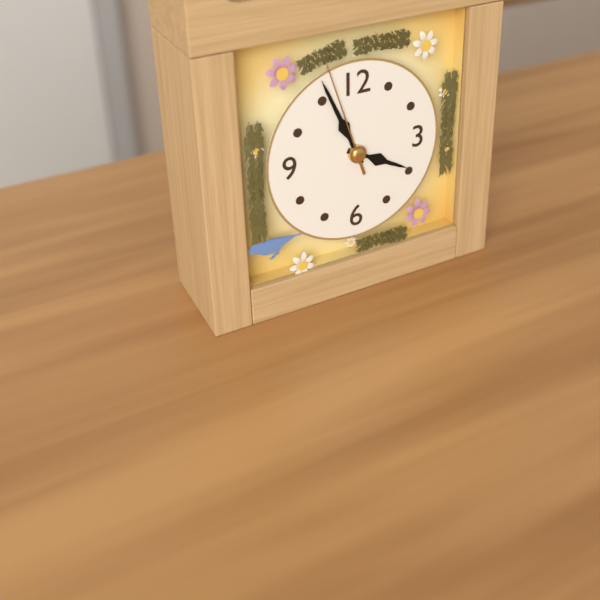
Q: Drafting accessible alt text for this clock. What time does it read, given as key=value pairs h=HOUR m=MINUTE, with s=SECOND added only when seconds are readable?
h=3 m=56 s=57
